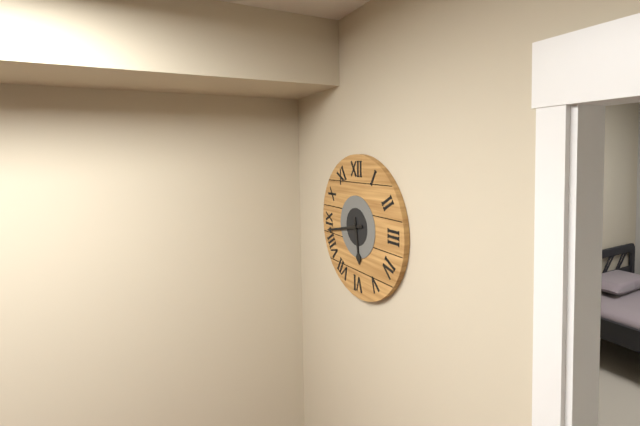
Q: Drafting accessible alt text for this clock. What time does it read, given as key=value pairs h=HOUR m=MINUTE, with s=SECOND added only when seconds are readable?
h=5 m=43
